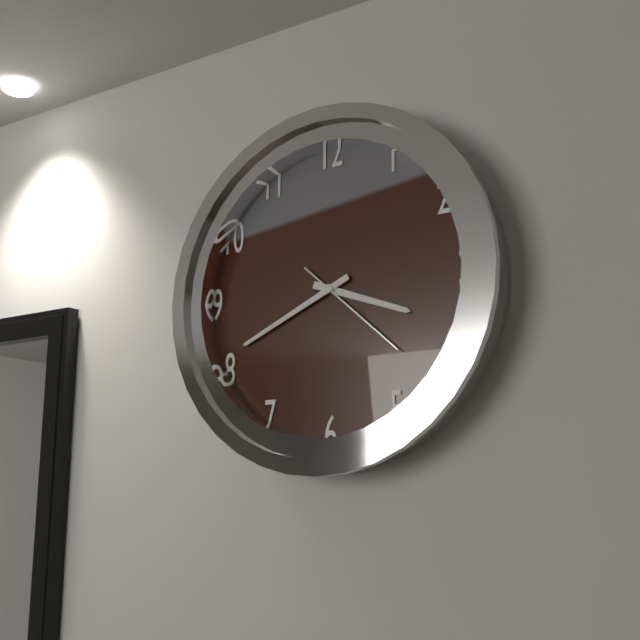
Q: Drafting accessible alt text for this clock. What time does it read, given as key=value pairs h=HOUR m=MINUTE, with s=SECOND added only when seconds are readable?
h=3 m=41 s=22
